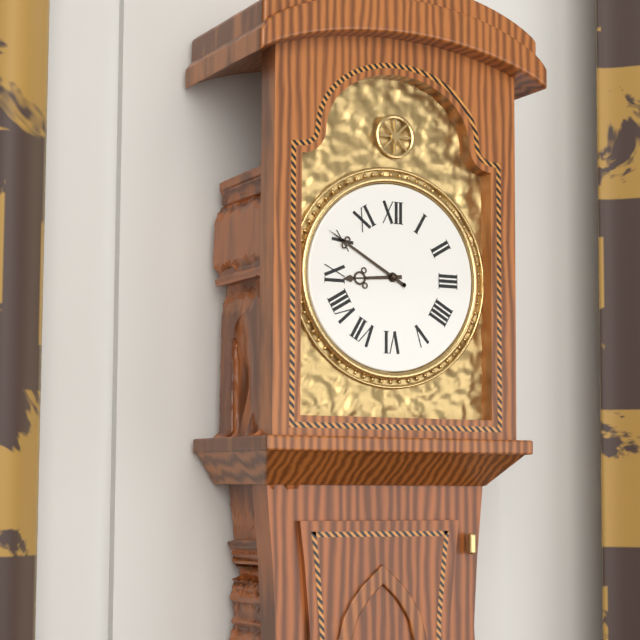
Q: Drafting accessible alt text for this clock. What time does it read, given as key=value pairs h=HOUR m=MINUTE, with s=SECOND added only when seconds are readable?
h=8 m=50
